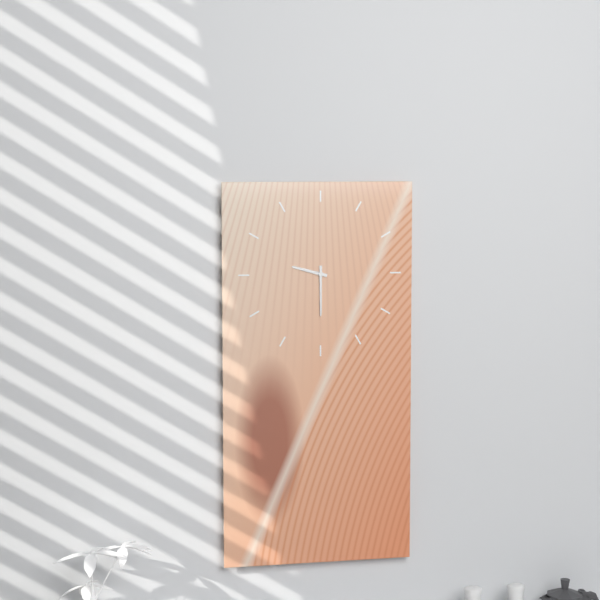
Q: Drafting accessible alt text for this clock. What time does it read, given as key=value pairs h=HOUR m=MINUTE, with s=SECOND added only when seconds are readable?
h=9 m=30
